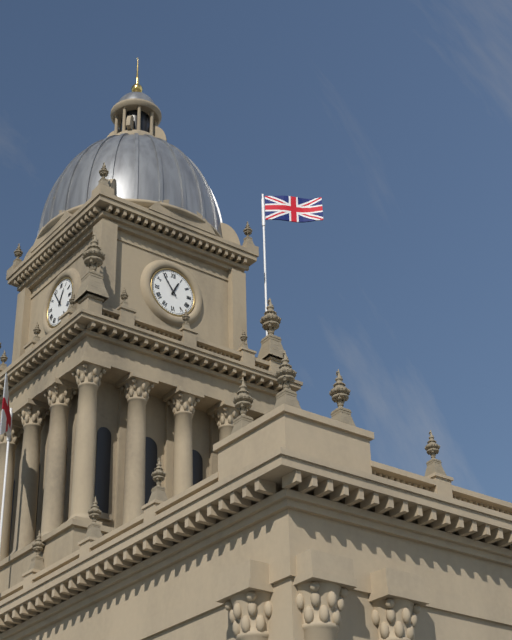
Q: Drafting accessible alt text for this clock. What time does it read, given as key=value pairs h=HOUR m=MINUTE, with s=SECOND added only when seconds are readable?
h=12 m=54
